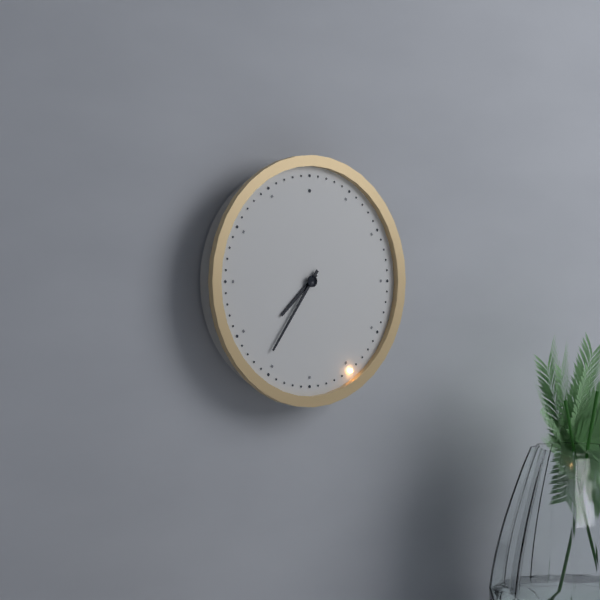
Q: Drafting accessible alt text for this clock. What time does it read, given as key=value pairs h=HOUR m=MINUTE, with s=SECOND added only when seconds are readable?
h=7 m=36
